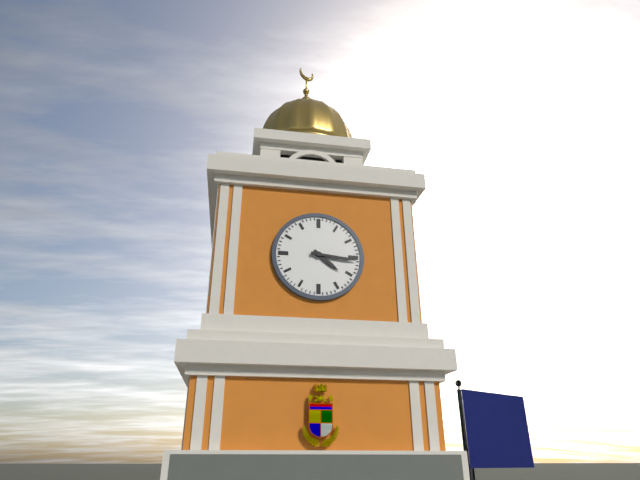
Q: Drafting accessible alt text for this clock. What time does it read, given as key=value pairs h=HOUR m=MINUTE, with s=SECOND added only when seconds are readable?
h=4 m=16
